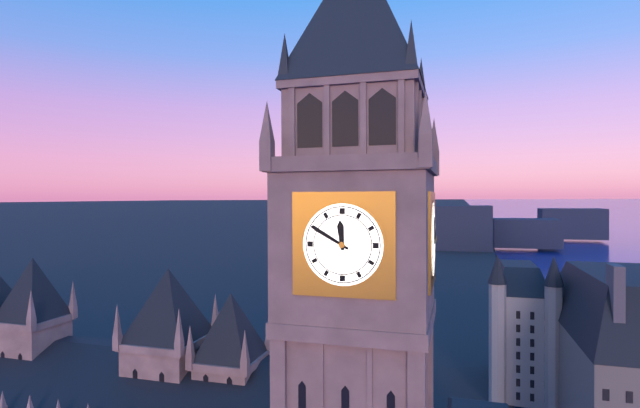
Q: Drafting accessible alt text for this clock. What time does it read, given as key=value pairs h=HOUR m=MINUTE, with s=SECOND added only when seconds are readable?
h=11 m=50
